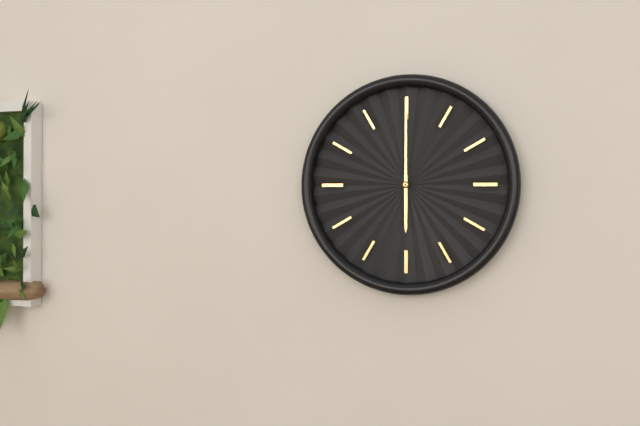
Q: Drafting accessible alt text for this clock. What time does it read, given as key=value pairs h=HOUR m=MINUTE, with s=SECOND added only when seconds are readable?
h=6 m=0
